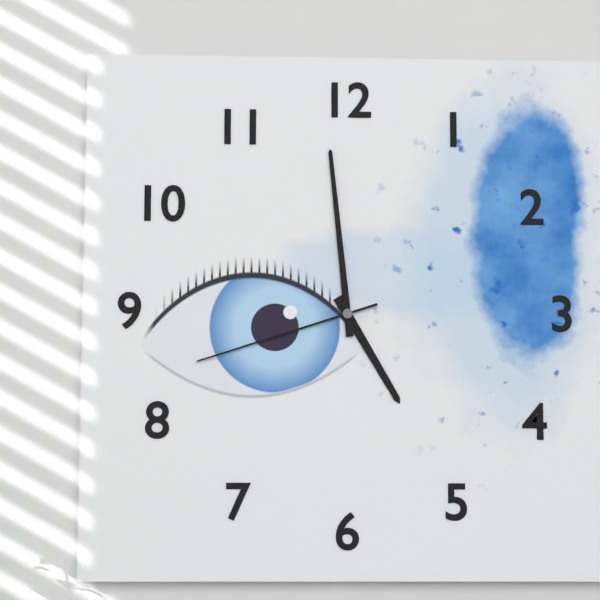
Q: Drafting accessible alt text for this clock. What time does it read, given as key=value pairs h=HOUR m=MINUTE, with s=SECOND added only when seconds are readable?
h=4 m=59 s=42
